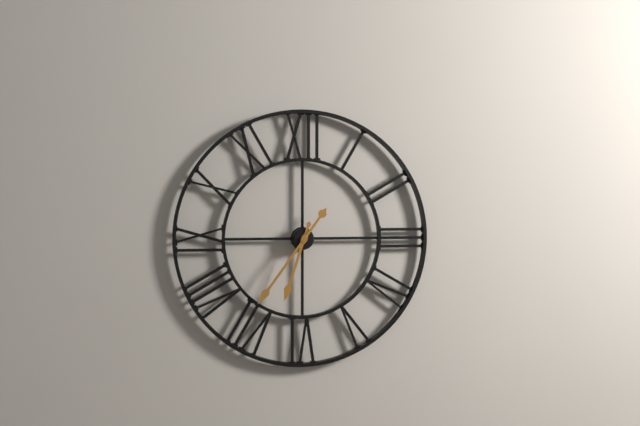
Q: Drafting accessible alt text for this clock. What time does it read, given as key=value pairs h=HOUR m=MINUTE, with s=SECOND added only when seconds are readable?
h=6 m=36
